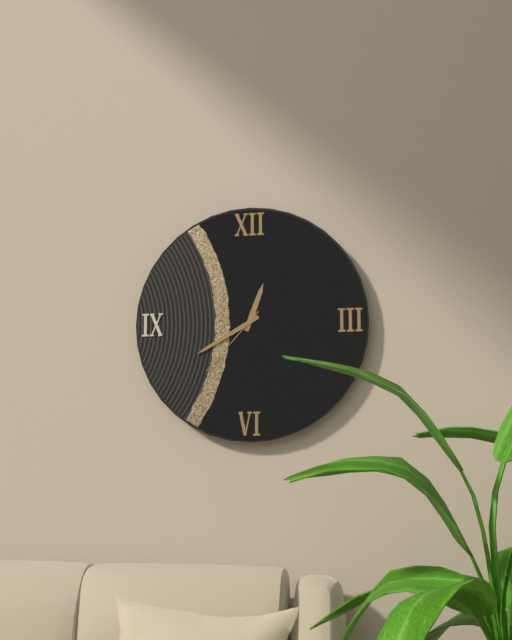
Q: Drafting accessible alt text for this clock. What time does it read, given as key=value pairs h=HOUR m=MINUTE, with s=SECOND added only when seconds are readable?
h=12 m=40 s=37
